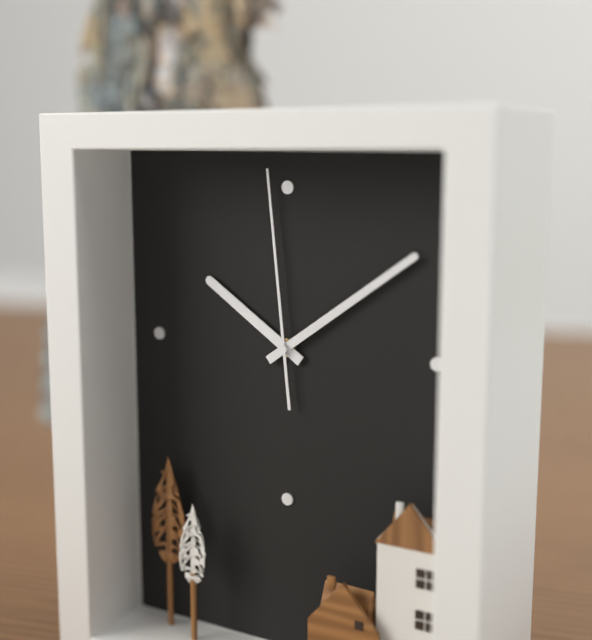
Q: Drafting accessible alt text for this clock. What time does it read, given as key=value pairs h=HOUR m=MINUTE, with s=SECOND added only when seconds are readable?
h=10 m=9 s=59
